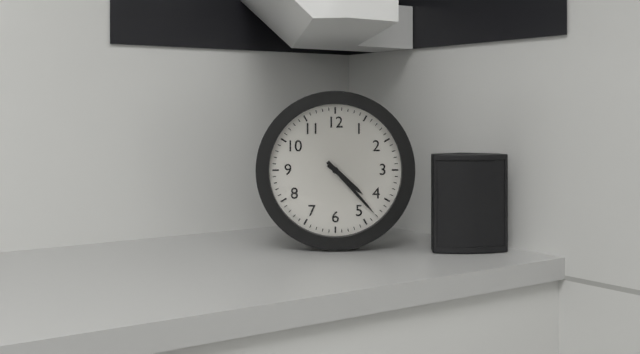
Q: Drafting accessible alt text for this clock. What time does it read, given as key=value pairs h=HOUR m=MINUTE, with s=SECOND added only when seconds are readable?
h=4 m=23
